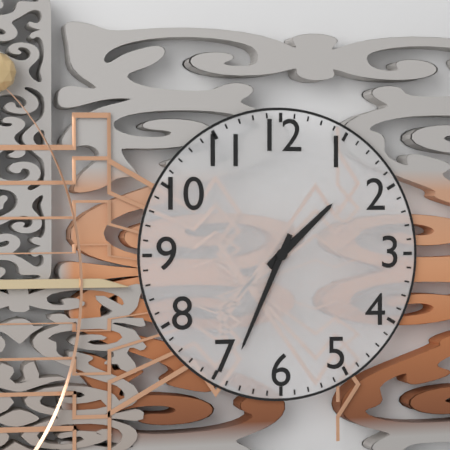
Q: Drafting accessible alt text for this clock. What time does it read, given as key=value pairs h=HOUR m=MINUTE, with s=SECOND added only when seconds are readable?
h=1 m=34
